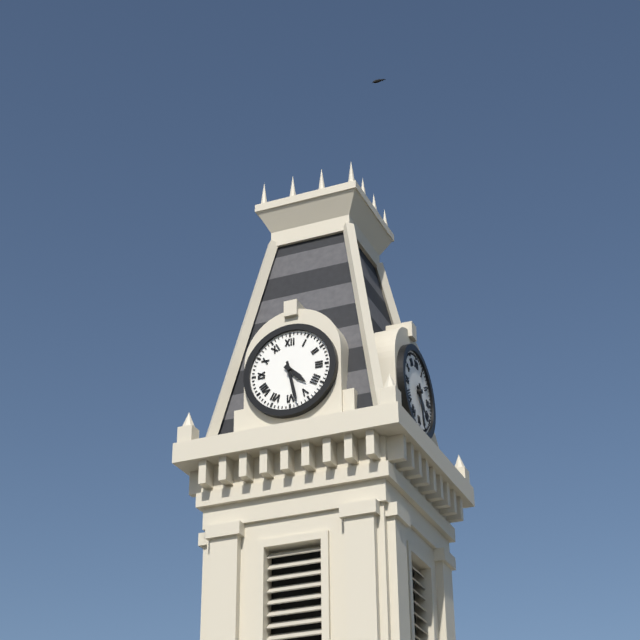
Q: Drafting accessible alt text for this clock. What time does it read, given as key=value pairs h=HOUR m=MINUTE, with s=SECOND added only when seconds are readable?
h=4 m=28
